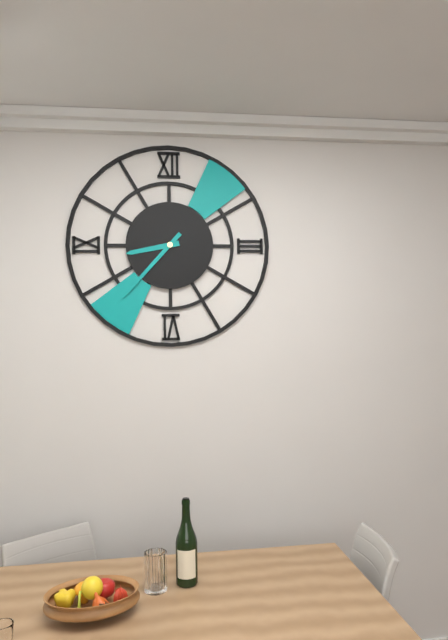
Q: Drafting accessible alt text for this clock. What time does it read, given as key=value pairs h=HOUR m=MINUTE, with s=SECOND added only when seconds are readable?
h=8 m=37
